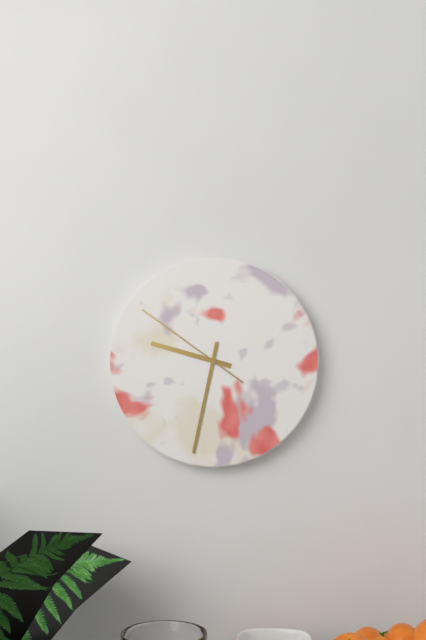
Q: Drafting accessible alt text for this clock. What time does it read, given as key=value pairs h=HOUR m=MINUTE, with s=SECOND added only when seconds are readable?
h=9 m=32 s=51
